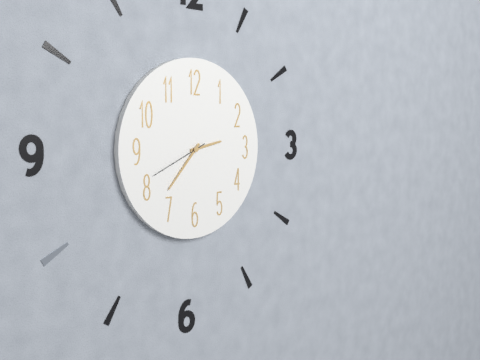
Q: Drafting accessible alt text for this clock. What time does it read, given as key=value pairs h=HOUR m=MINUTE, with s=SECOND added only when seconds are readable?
h=2 m=37 s=41
